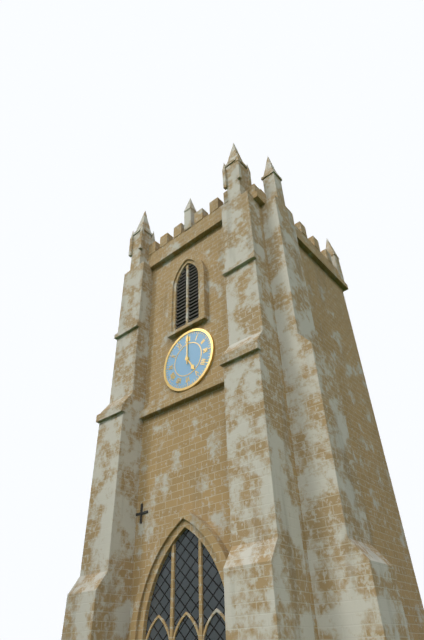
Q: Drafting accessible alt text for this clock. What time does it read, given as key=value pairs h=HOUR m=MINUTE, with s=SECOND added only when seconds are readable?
h=5 m=0
